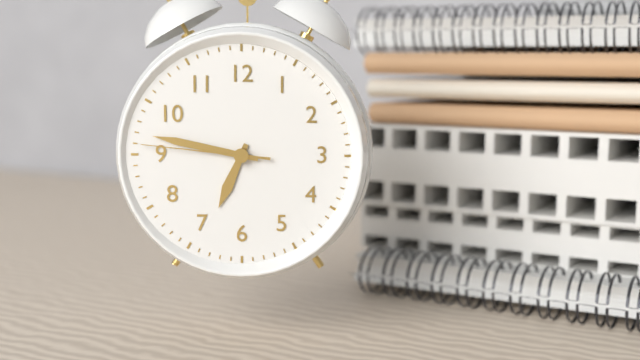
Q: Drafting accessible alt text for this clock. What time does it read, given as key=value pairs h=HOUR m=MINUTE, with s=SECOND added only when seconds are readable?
h=6 m=47 s=46
